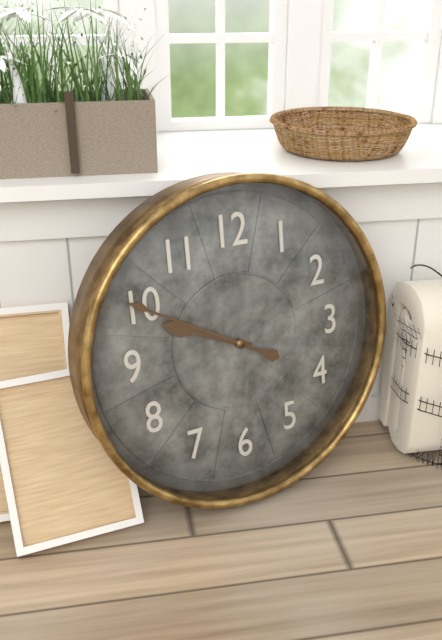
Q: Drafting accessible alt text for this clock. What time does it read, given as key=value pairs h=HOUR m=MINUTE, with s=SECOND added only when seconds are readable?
h=9 m=50
